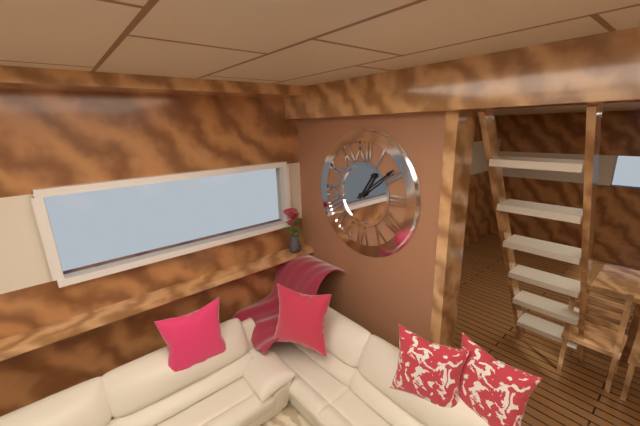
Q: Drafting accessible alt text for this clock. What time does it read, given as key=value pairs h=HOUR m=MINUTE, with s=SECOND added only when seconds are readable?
h=1 m=9
